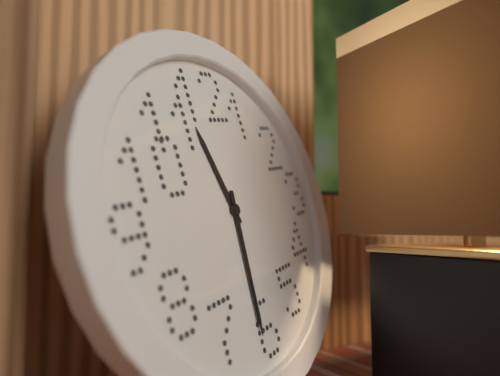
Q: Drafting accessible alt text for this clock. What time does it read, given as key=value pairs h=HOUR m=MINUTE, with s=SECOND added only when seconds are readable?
h=11 m=31
